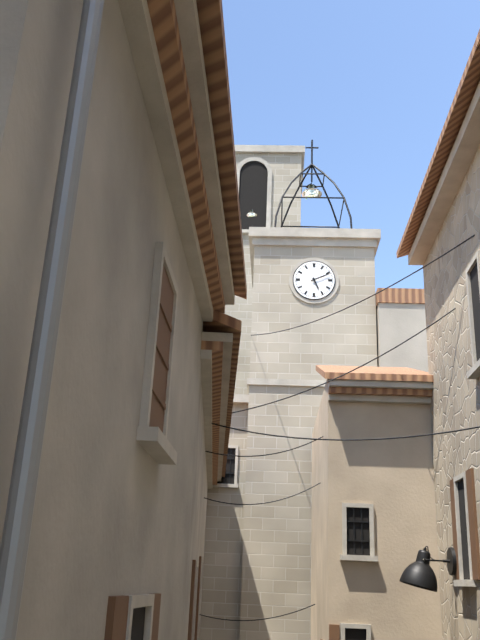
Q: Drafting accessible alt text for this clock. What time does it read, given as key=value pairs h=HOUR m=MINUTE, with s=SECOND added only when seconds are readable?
h=5 m=11
